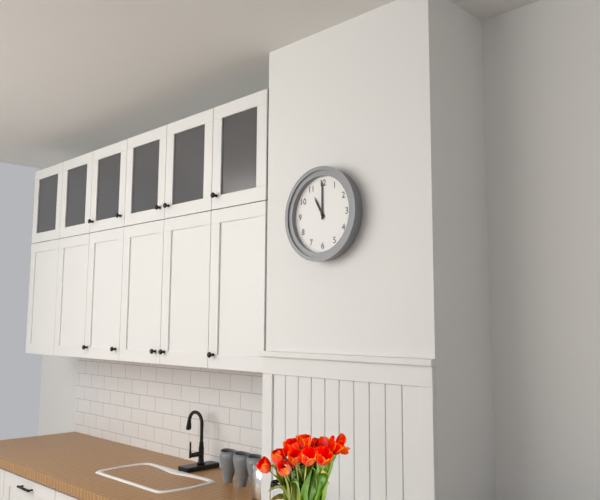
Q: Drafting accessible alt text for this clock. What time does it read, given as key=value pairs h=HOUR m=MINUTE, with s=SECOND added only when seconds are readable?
h=11 m=0
